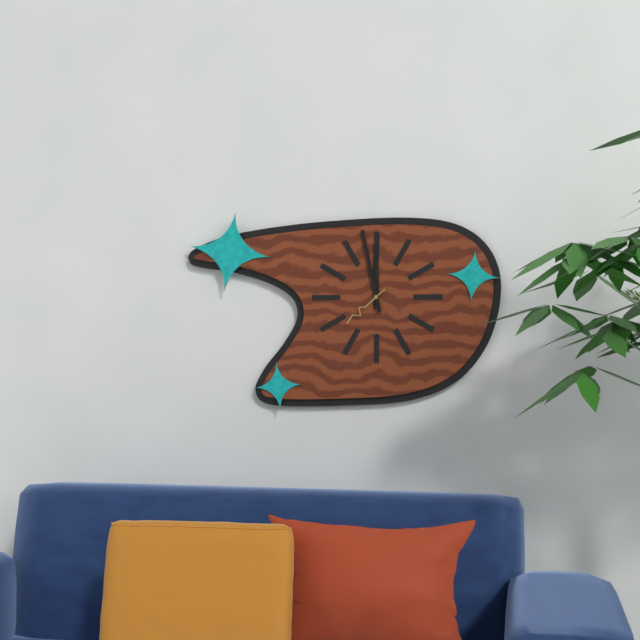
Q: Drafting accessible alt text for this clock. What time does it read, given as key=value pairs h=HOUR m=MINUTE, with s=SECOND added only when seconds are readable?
h=11 m=58 s=38
